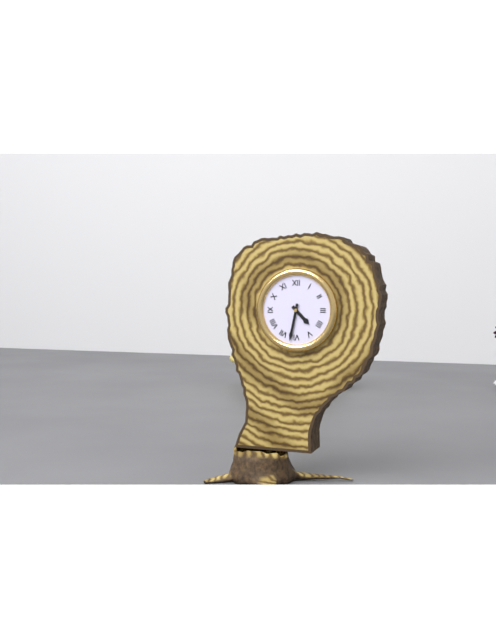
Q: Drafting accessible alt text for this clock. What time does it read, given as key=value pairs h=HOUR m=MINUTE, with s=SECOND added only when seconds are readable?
h=4 m=32
